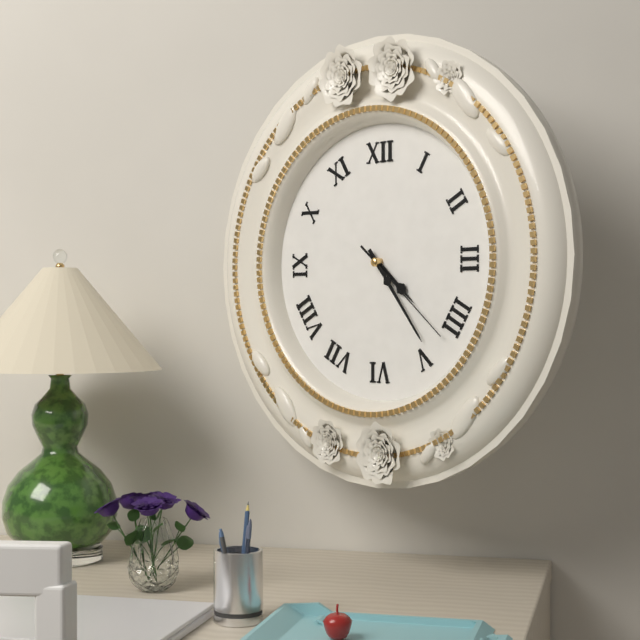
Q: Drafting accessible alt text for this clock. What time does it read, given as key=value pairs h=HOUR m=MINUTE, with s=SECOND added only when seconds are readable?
h=4 m=24 s=22
